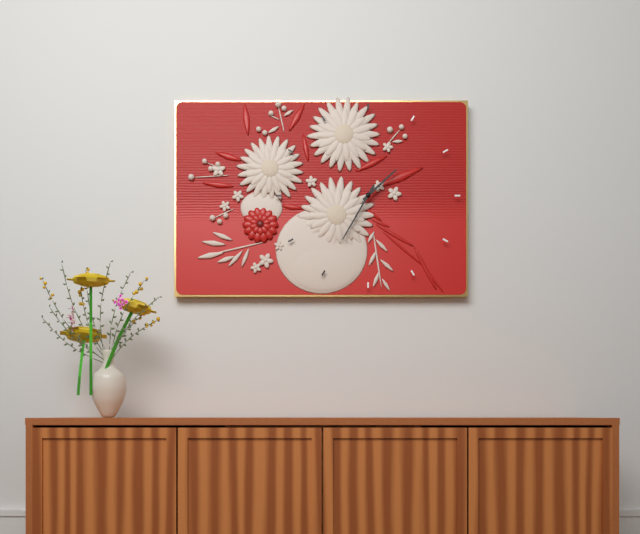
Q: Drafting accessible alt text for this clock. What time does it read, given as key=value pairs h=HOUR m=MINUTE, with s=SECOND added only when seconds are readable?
h=1 m=35
